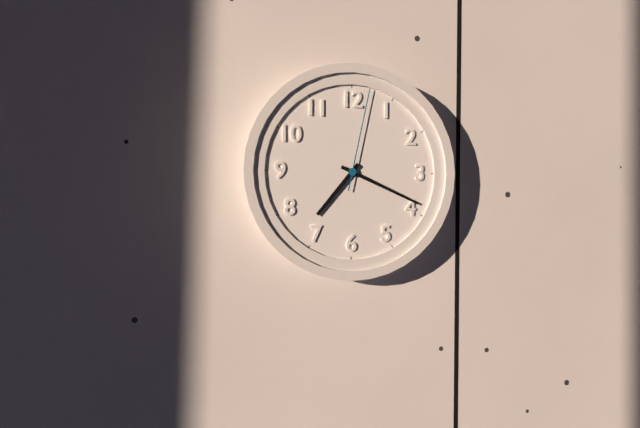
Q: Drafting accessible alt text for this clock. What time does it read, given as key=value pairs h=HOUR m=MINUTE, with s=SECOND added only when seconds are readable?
h=7 m=19 s=2
